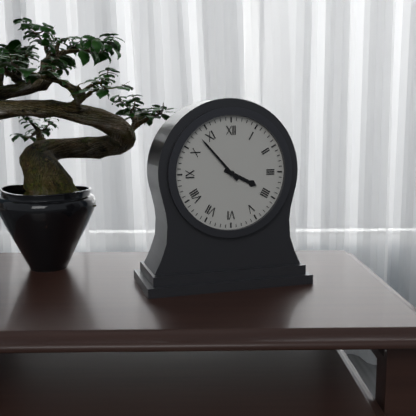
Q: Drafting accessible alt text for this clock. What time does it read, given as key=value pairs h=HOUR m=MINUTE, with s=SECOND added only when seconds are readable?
h=3 m=53
